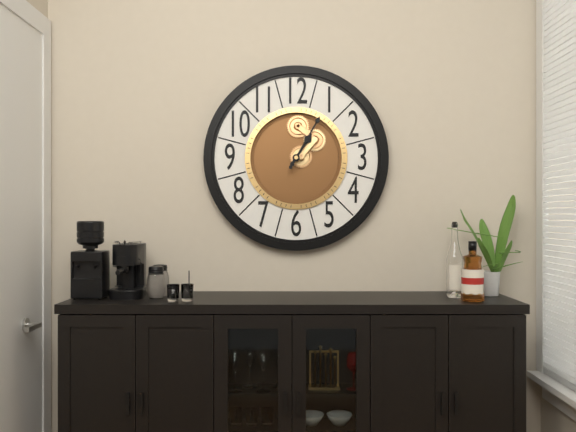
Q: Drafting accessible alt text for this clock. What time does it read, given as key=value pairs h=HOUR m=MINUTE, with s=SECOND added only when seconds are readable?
h=1 m=5
